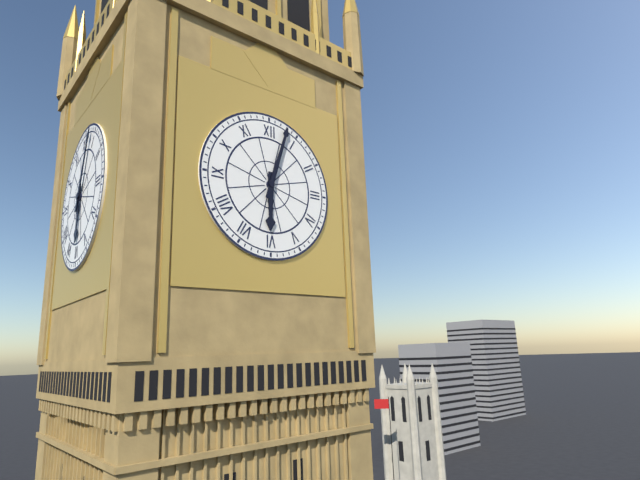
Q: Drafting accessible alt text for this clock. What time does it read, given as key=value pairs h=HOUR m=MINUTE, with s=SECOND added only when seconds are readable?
h=6 m=3
